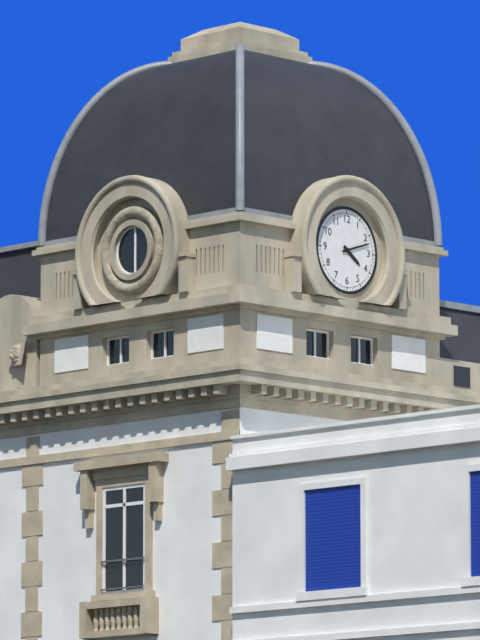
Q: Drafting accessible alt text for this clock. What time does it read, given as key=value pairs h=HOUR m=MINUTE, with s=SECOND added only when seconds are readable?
h=4 m=12
